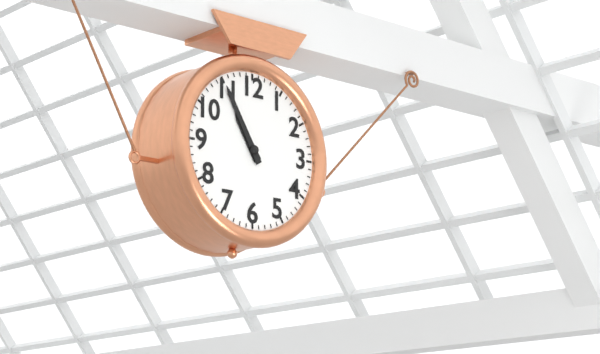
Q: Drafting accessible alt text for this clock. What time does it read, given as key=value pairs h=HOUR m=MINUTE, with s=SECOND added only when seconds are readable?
h=10 m=55
